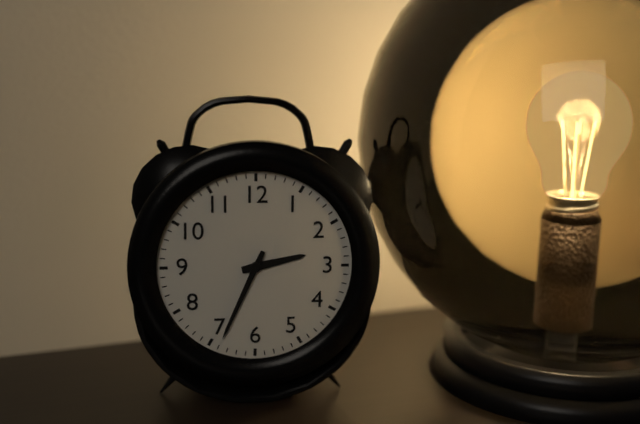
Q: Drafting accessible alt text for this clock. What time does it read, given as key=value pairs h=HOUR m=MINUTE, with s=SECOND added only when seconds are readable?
h=2 m=34
